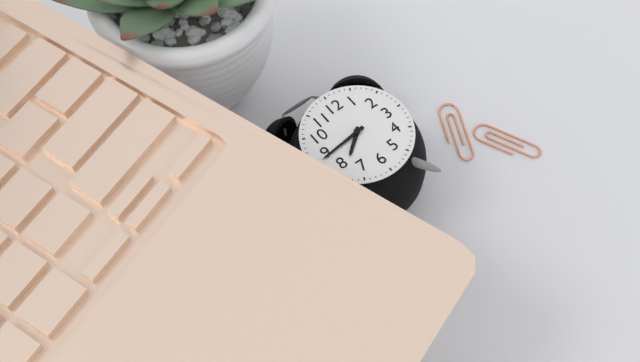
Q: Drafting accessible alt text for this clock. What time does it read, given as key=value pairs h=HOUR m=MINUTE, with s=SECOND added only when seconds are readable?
h=7 m=44
